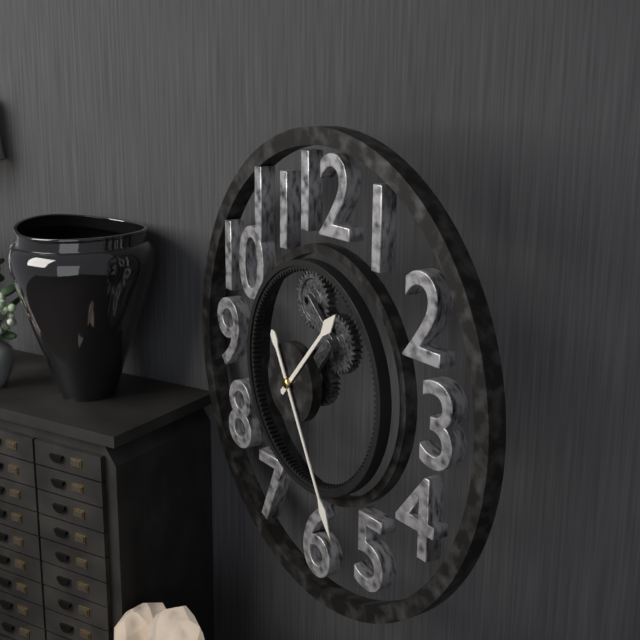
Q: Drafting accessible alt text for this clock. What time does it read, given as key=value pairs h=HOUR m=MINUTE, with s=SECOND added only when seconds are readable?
h=1 m=25
